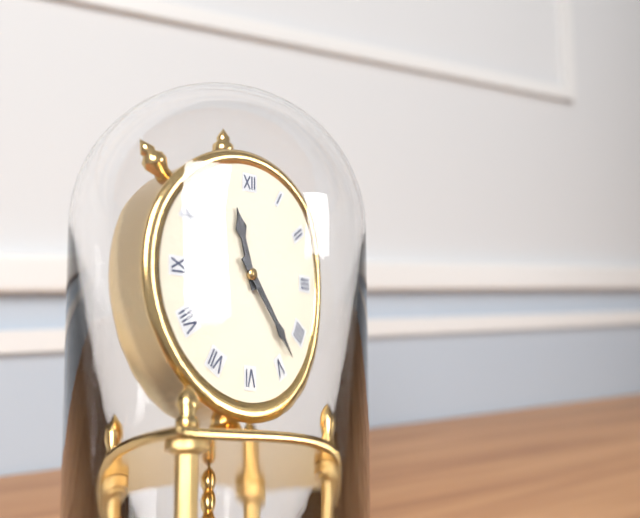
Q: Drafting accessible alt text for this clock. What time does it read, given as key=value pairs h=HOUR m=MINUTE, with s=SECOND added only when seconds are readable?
h=11 m=23
